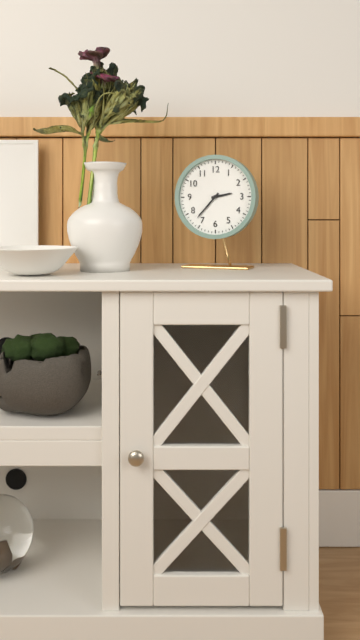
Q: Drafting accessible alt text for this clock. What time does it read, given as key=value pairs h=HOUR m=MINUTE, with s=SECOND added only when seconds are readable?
h=2 m=37
